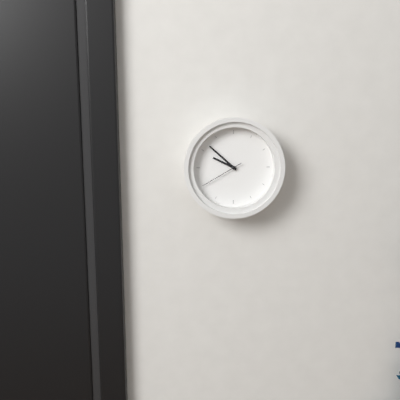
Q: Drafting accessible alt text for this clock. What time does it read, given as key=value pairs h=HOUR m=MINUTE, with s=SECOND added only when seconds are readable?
h=9 m=52
